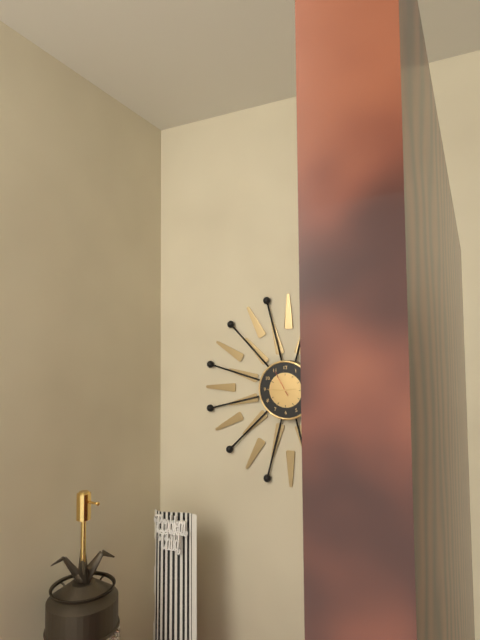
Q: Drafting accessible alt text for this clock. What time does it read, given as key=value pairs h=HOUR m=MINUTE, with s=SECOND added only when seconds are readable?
h=2 m=45
